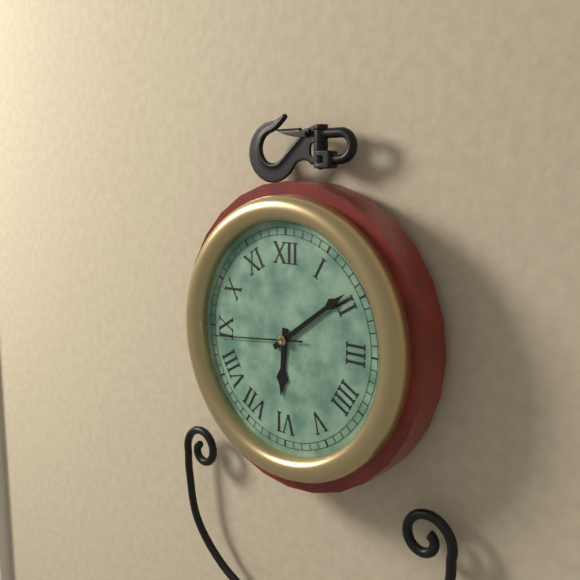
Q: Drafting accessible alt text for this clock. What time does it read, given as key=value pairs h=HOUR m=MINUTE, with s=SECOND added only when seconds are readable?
h=6 m=9 s=44
